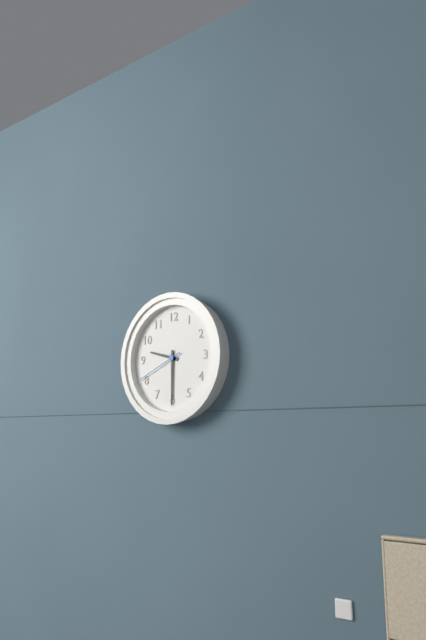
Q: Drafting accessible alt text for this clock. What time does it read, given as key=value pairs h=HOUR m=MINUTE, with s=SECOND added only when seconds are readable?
h=9 m=30
